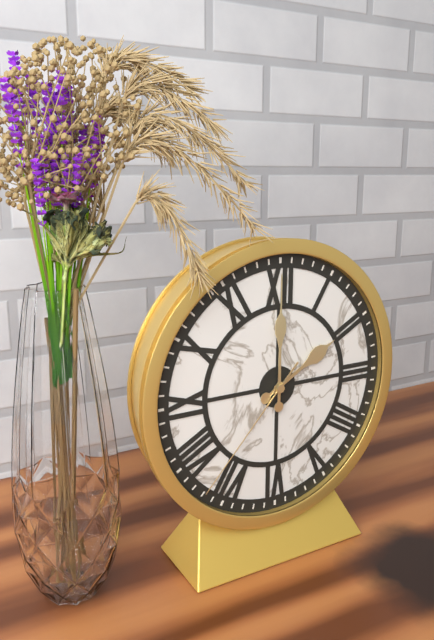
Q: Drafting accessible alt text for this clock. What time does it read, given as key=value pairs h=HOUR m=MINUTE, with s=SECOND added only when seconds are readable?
h=2 m=0 s=37
